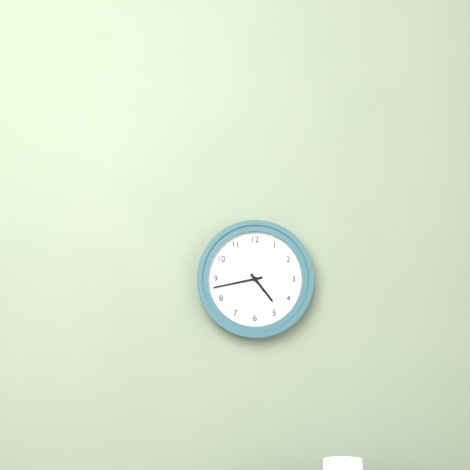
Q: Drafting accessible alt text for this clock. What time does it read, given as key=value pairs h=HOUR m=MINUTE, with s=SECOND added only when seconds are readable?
h=4 m=43
